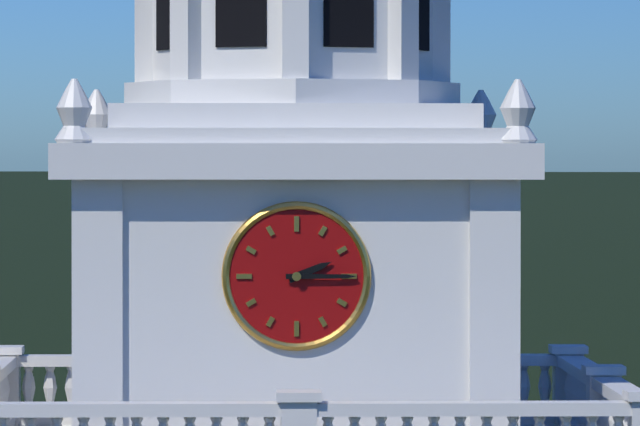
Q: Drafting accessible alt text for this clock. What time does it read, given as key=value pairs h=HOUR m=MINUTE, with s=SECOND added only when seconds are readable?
h=2 m=15
